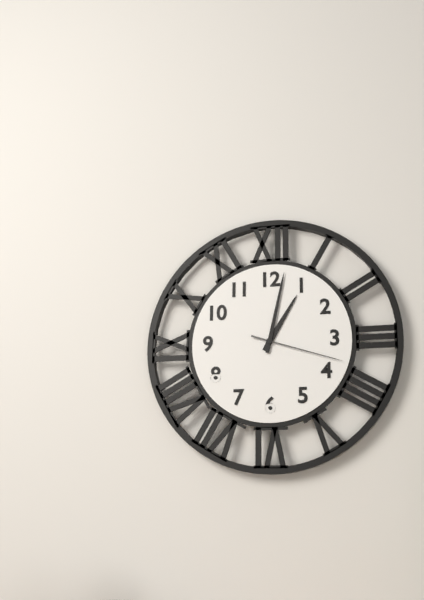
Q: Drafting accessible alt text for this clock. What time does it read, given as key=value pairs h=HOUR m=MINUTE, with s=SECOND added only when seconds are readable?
h=1 m=2 s=18
